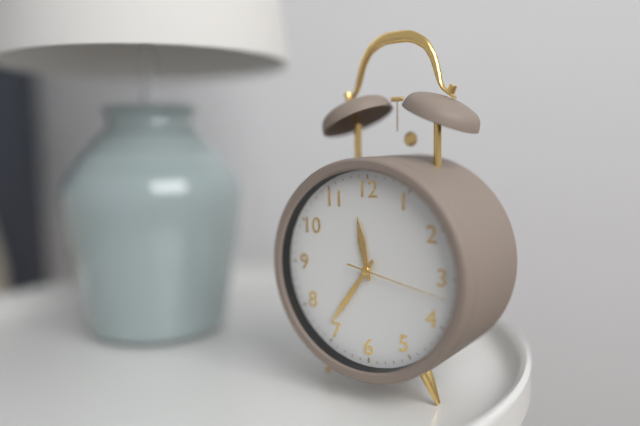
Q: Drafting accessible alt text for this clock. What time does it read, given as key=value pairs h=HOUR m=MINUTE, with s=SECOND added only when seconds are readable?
h=11 m=36 s=17
